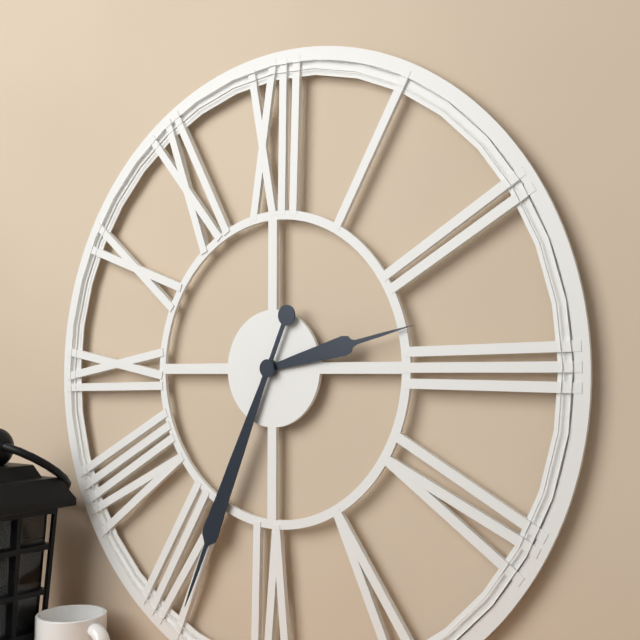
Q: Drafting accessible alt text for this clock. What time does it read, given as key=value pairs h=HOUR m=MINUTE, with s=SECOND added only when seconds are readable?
h=2 m=34
